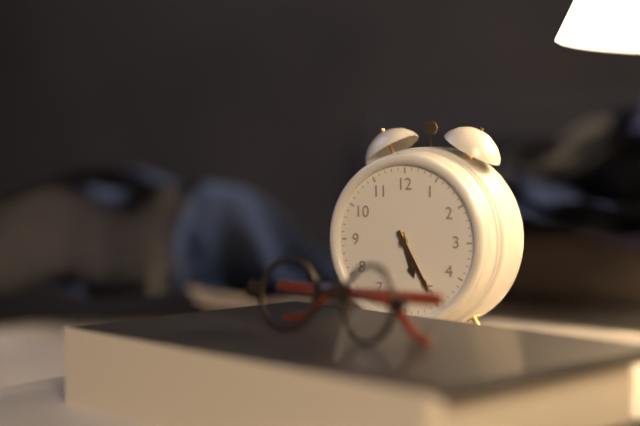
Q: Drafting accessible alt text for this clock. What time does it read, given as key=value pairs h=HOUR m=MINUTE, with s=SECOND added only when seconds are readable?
h=5 m=25
